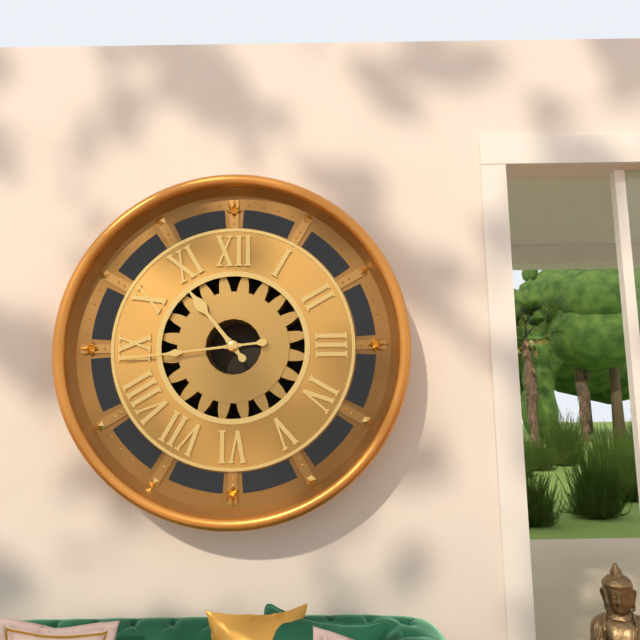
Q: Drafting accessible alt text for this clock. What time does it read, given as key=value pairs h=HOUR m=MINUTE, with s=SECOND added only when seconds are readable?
h=10 m=44
